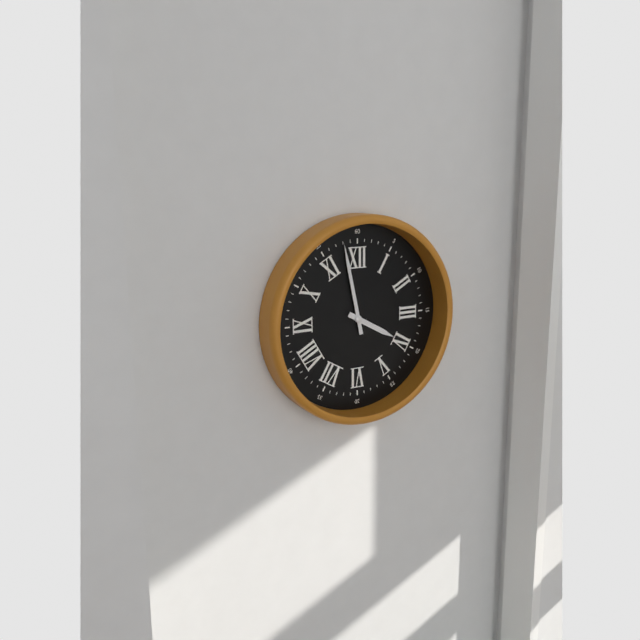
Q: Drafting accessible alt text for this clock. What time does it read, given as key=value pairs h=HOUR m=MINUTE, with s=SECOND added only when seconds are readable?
h=3 m=58
